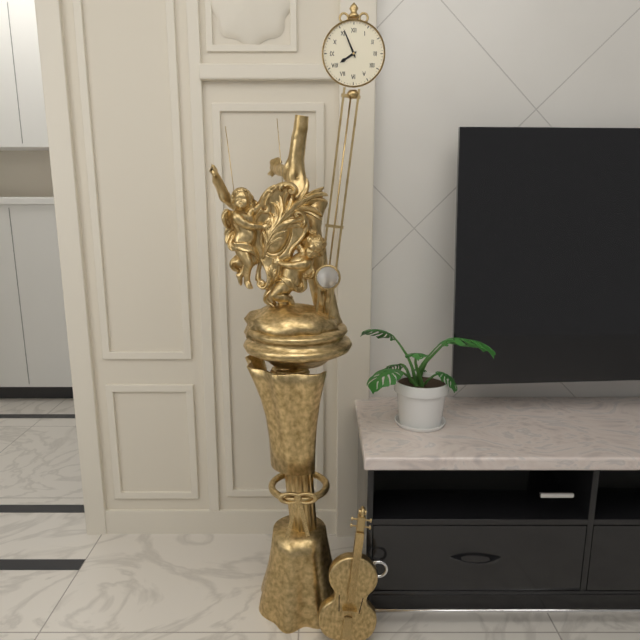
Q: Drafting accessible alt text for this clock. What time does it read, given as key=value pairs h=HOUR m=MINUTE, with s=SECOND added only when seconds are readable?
h=7 m=56
